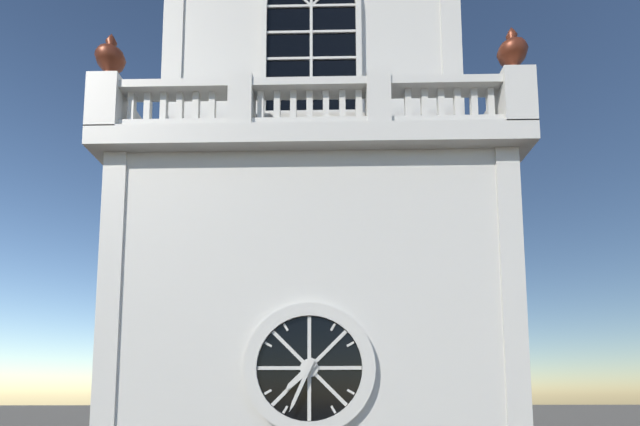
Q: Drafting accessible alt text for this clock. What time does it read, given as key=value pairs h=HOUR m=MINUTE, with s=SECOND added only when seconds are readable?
h=7 m=34
